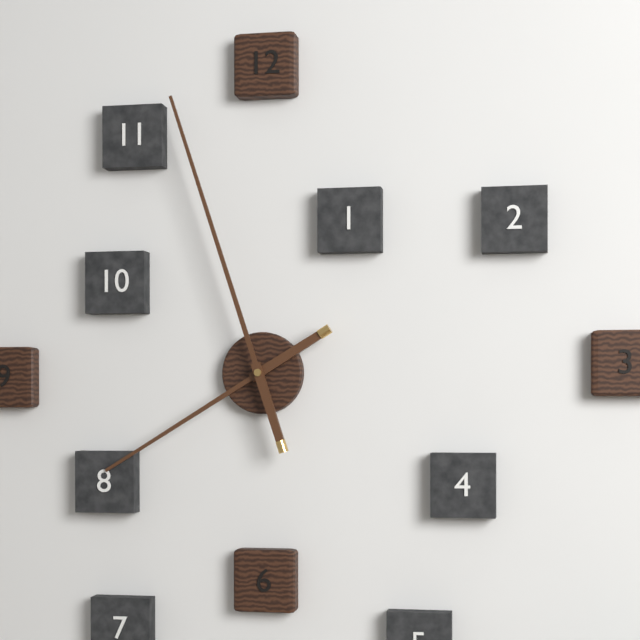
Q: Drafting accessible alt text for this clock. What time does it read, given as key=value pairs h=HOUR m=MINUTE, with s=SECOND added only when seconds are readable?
h=7 m=57
